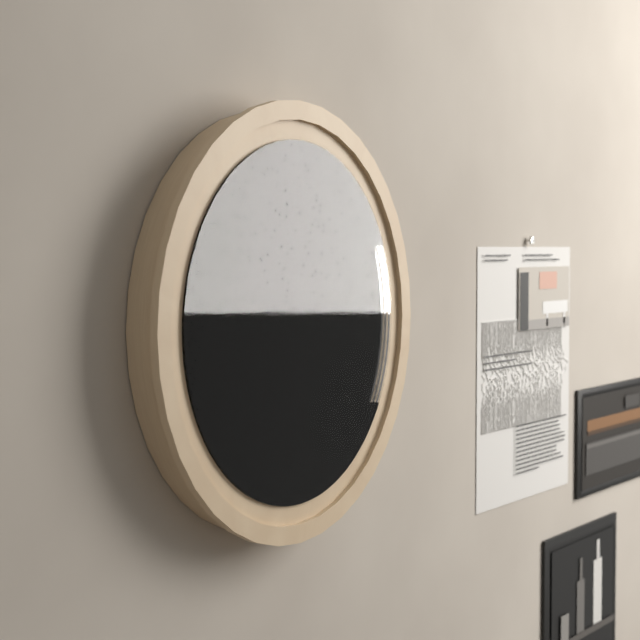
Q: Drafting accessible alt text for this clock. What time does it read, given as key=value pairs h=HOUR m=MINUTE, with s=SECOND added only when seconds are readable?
h=1 m=8
